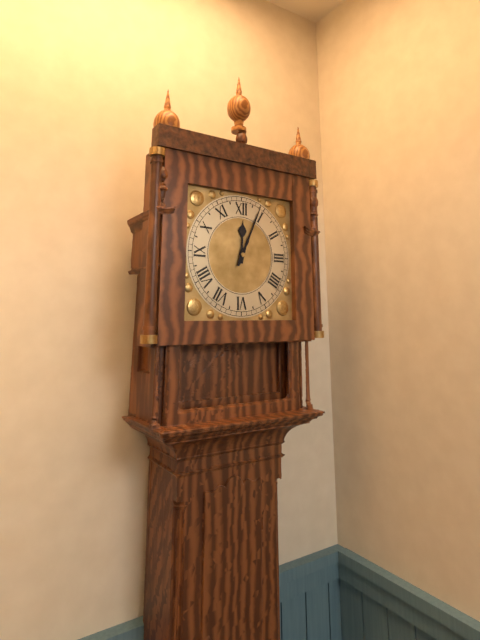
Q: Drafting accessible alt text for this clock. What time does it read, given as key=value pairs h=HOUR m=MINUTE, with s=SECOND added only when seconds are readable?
h=12 m=4
